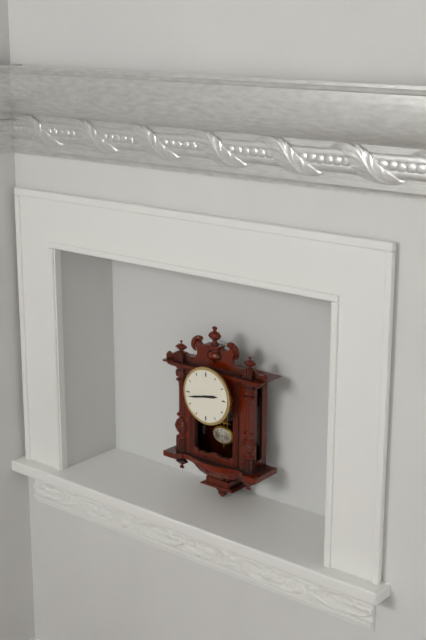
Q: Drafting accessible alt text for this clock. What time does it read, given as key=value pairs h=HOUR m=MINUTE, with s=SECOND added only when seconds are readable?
h=2 m=43
